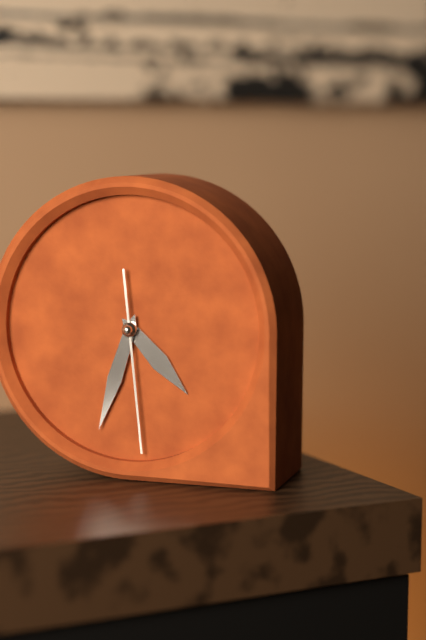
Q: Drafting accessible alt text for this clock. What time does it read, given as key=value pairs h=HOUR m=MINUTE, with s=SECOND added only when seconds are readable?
h=4 m=33 s=29
